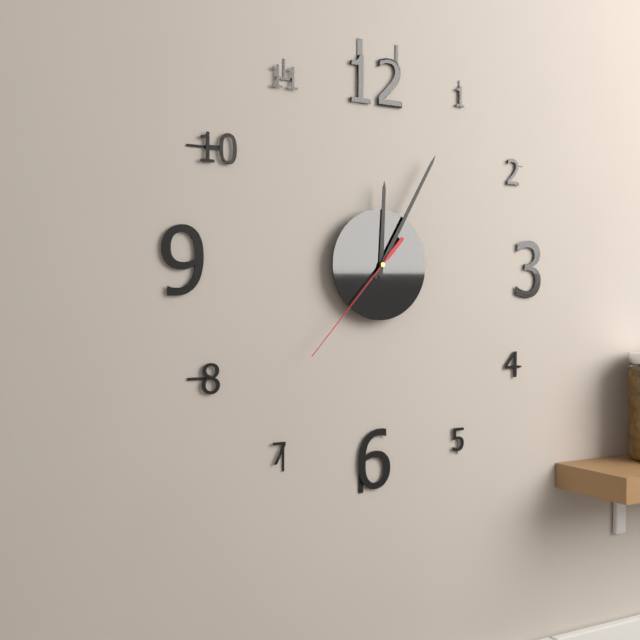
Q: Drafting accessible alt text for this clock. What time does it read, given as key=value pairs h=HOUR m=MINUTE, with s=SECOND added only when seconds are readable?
h=12 m=5 s=37
